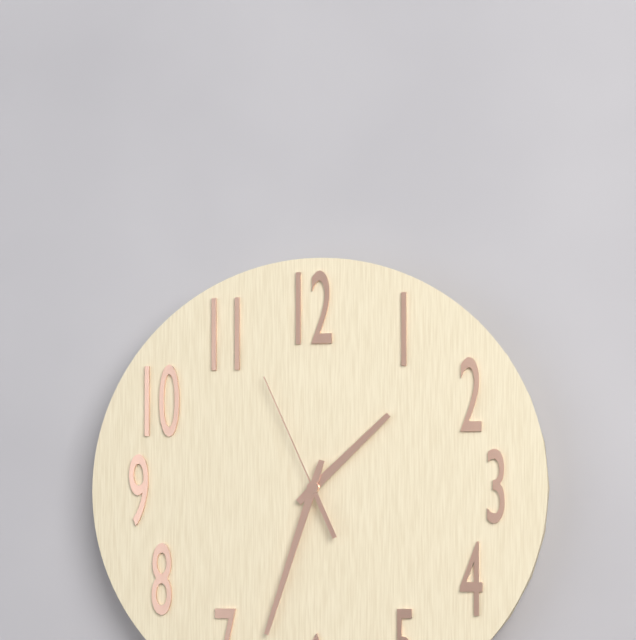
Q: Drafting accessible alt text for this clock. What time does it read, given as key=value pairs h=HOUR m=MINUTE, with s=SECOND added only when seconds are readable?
h=1 m=33 s=56
